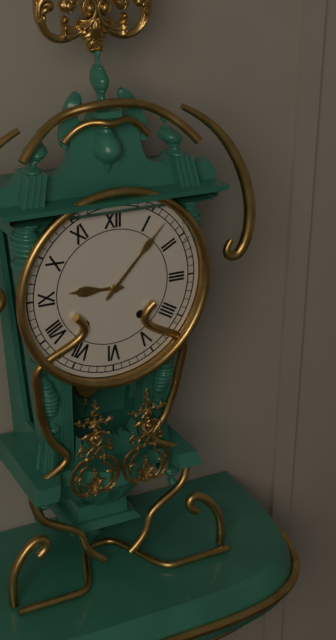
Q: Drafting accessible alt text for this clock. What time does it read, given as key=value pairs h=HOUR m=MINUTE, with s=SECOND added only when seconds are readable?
h=9 m=7
